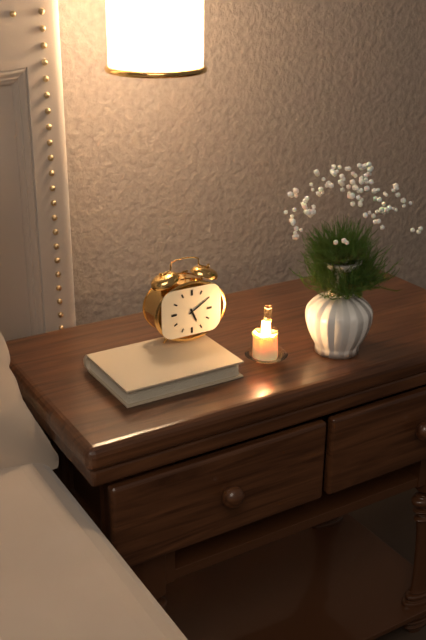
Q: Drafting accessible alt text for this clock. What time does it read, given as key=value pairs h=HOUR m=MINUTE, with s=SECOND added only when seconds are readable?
h=5 m=10
